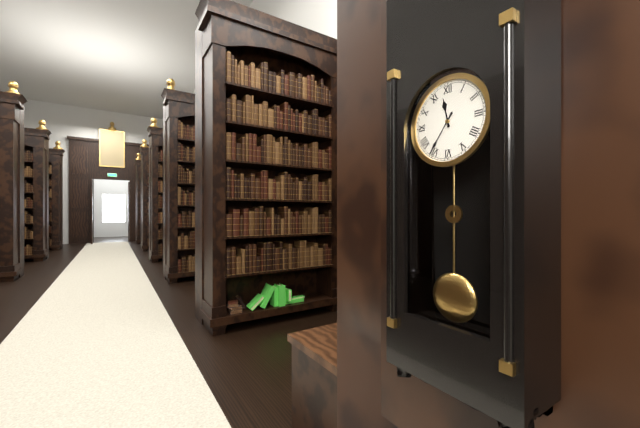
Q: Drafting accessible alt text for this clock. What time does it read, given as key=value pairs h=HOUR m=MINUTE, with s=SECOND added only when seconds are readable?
h=11 m=36
